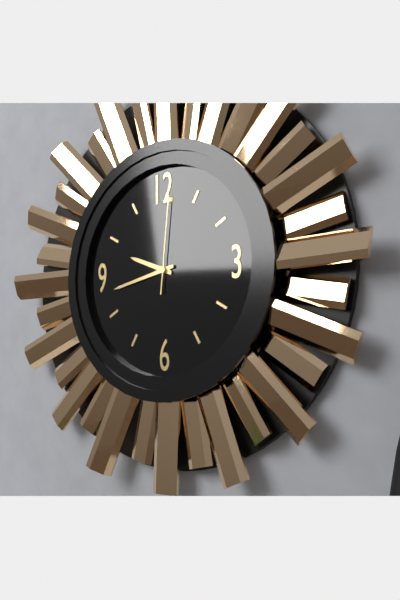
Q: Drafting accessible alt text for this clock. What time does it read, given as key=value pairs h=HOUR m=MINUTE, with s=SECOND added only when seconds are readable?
h=9 m=43 s=1
